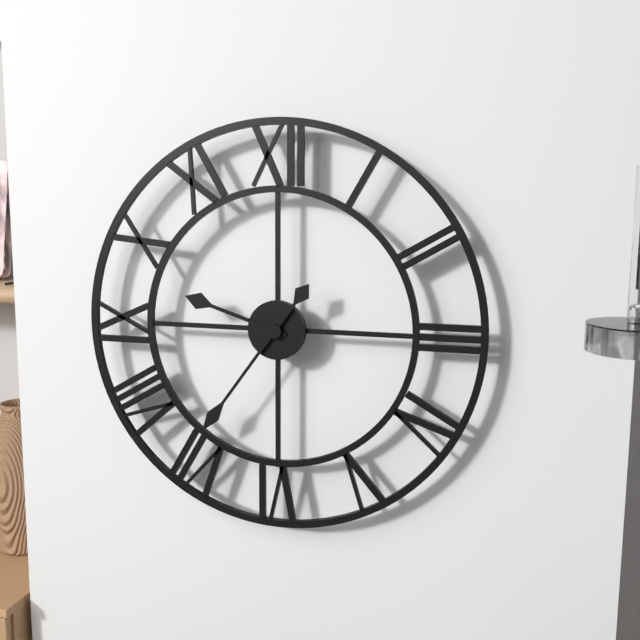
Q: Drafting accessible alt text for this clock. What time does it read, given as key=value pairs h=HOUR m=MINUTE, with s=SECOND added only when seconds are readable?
h=9 m=36
